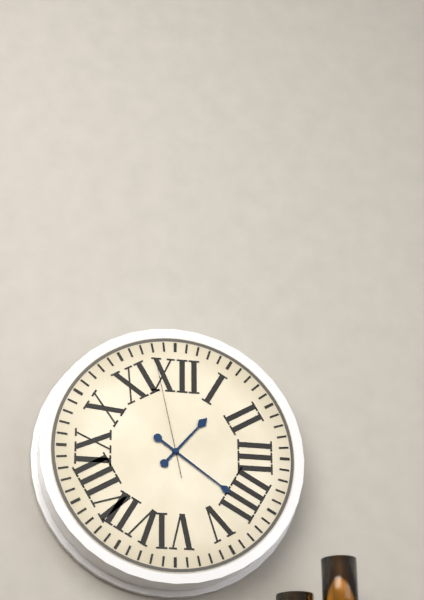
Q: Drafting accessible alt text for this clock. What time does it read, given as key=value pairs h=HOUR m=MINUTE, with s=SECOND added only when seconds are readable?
h=1 m=21 s=58
